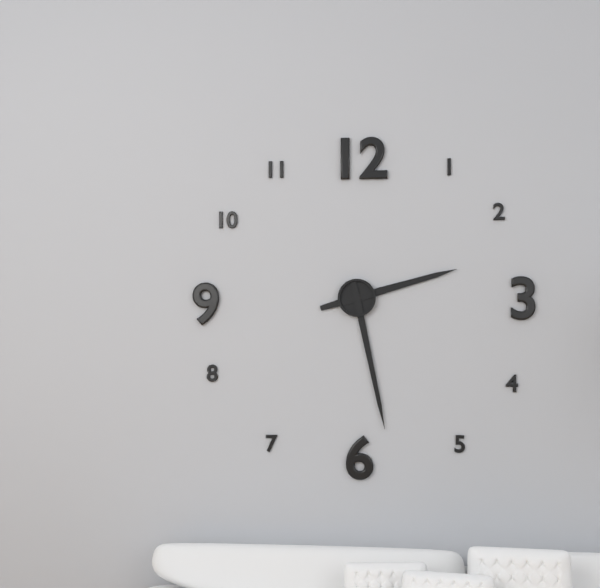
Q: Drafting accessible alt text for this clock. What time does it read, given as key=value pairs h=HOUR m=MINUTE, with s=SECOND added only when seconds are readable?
h=2 m=28
